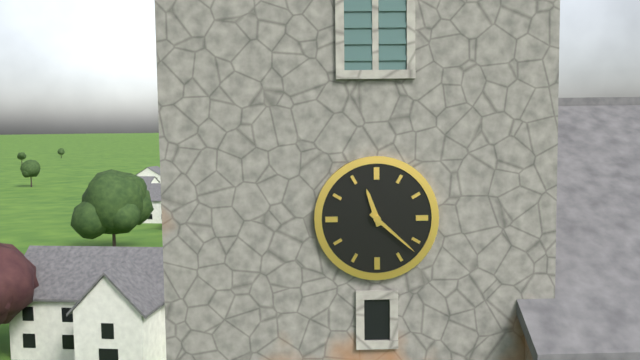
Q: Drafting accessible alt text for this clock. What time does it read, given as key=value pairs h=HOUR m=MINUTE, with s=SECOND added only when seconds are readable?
h=11 m=22
